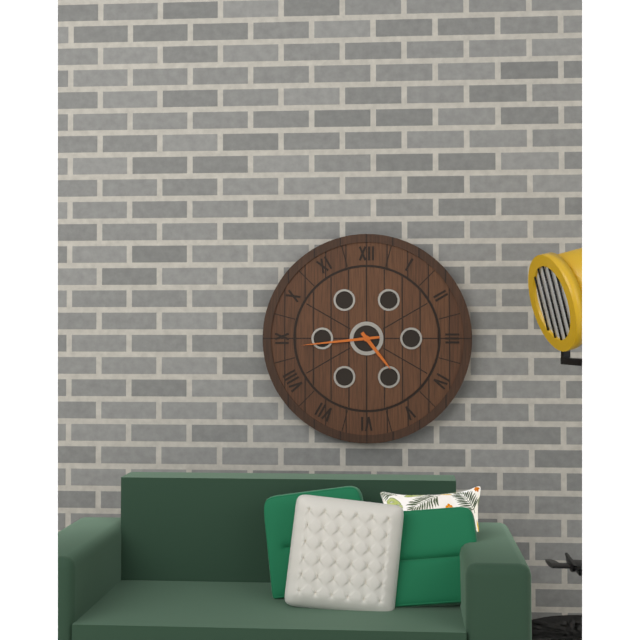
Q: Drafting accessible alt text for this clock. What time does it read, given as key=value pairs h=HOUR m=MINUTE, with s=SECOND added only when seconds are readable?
h=4 m=44
